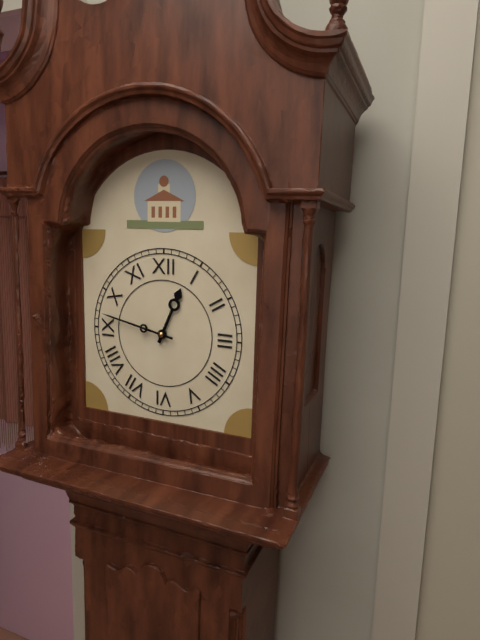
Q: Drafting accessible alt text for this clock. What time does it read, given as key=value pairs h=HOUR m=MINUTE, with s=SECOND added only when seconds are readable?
h=12 m=47
